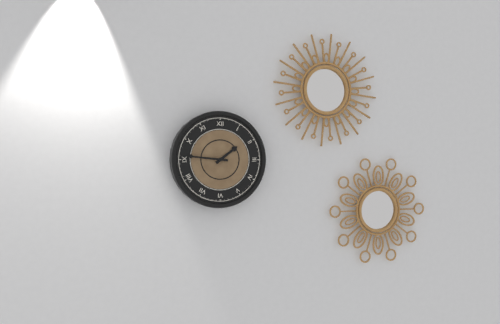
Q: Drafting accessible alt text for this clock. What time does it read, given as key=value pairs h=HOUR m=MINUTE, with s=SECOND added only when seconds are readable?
h=1 m=46
